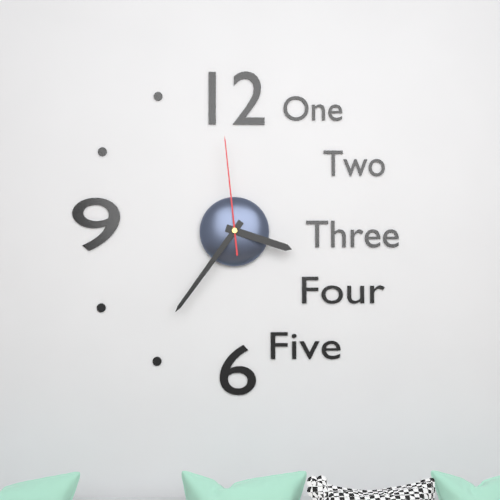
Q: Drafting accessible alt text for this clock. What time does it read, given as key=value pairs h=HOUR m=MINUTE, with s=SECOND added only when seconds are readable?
h=3 m=36 s=59
